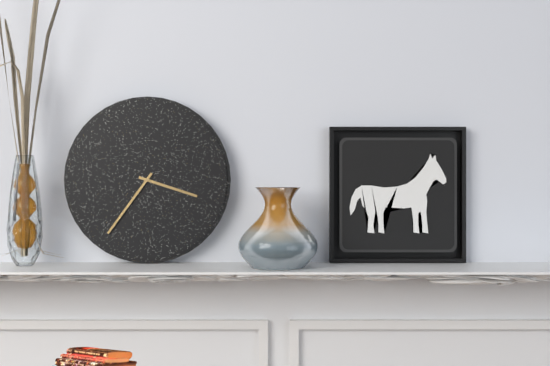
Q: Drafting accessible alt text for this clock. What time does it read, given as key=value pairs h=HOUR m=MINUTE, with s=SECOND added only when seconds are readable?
h=3 m=36
